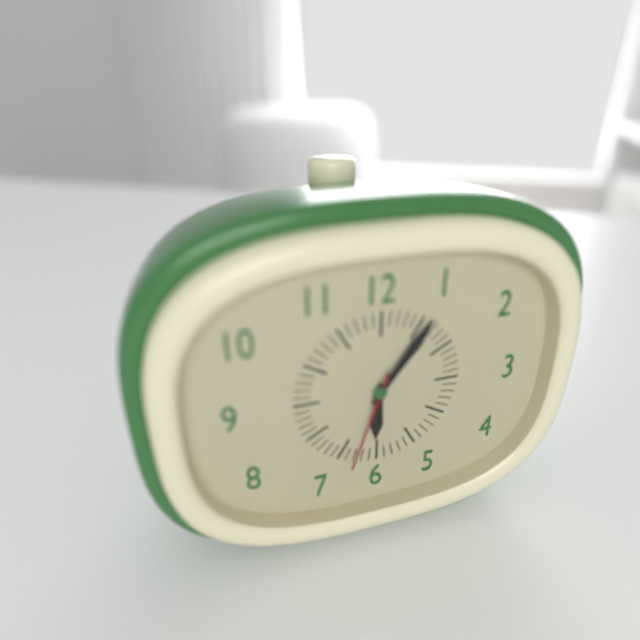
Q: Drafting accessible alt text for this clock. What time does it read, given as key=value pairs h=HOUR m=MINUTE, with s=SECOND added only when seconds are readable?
h=6 m=6 s=33
